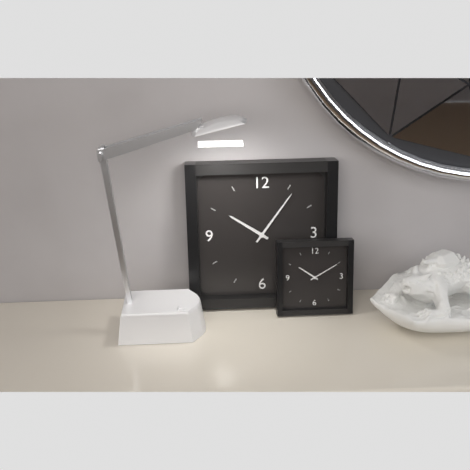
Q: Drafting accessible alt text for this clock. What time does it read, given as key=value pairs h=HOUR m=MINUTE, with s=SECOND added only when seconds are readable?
h=10 m=6
